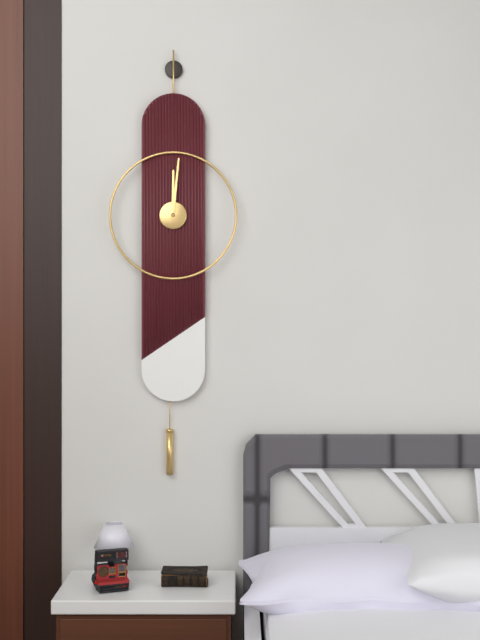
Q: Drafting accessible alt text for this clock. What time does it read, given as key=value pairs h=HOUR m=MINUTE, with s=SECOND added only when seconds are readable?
h=12 m=1
